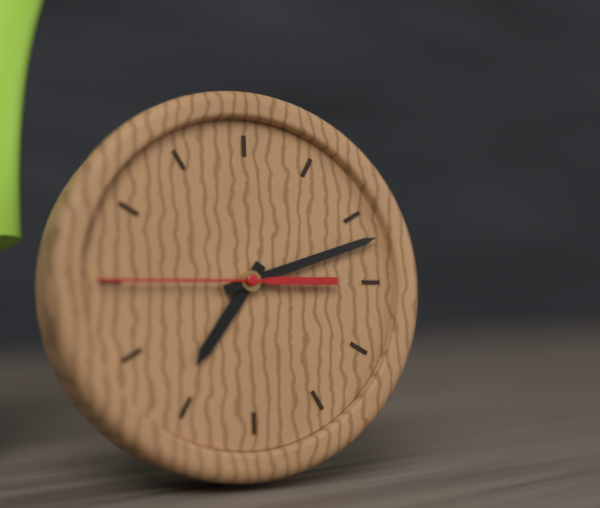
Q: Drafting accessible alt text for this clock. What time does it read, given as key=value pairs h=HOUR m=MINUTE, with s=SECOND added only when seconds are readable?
h=7 m=12 s=45
